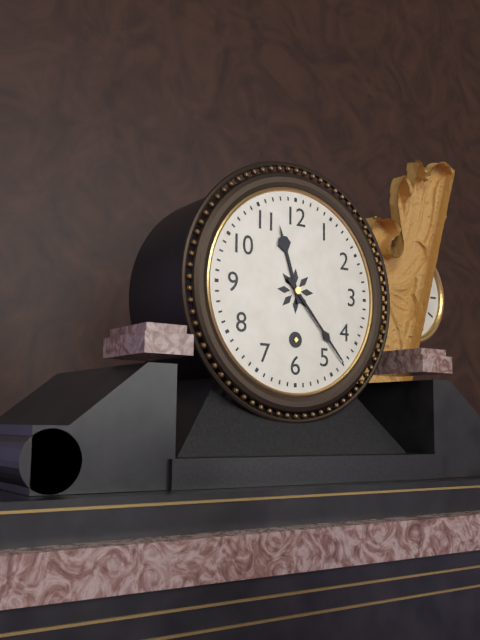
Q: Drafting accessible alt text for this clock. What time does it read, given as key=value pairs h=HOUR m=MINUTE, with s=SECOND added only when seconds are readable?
h=11 m=23
